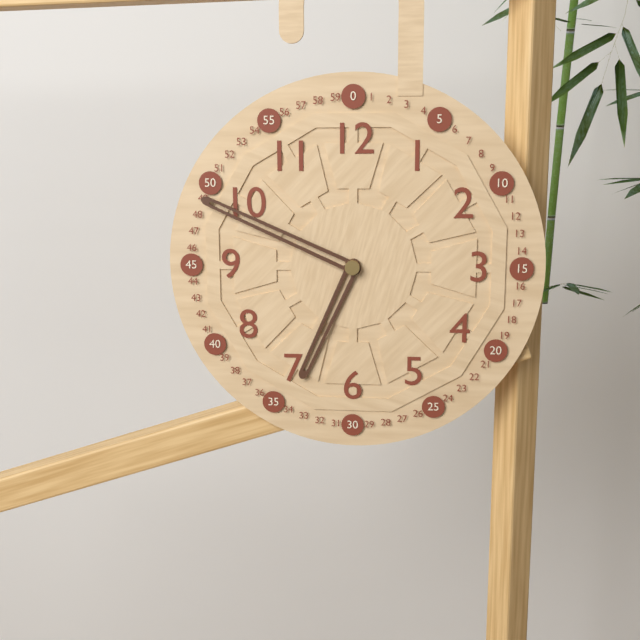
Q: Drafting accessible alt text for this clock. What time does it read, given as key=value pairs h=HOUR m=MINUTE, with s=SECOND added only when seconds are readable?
h=6 m=49
